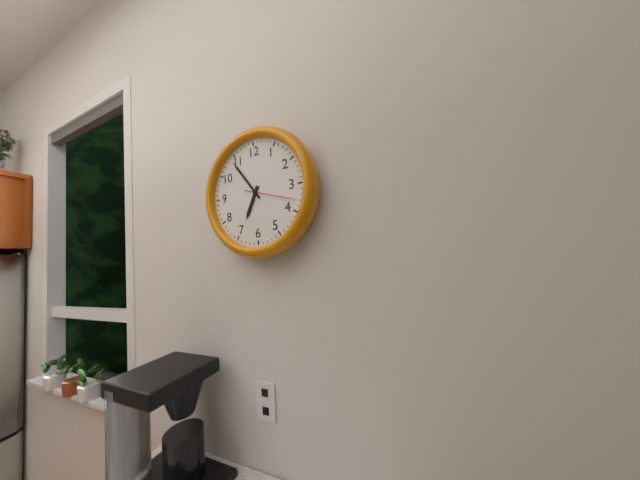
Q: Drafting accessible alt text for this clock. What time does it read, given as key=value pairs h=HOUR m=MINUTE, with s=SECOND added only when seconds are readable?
h=6 m=54 s=18
